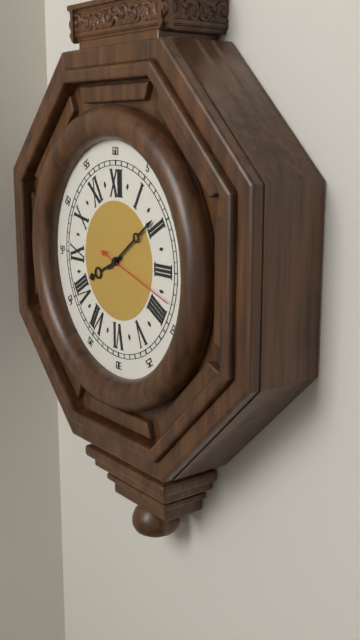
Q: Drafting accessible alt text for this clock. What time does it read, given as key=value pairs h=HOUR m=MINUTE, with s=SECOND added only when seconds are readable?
h=8 m=9 s=18
